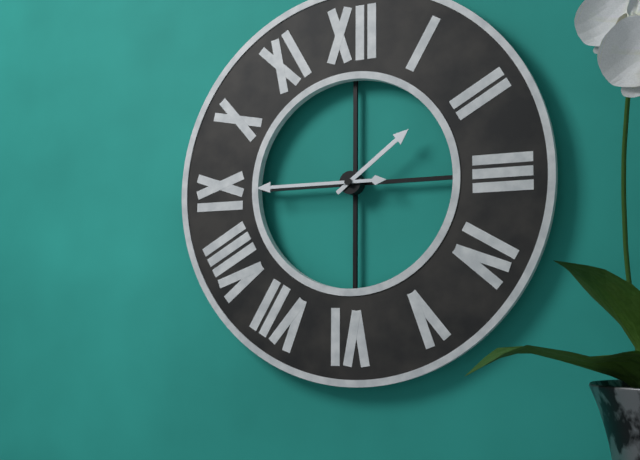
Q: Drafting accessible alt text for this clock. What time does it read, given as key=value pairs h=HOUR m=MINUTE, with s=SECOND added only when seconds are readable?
h=1 m=45
